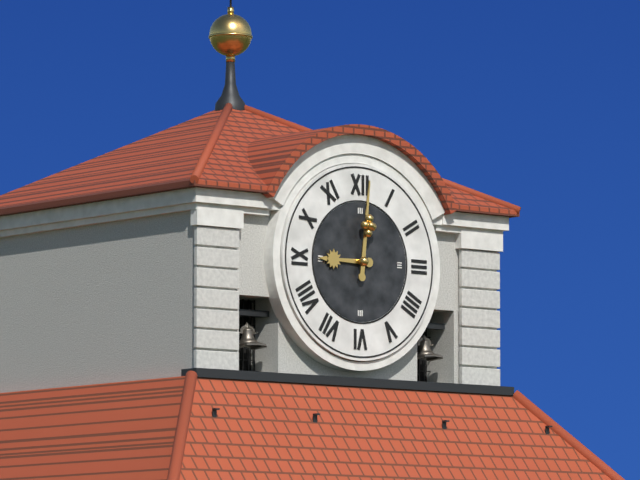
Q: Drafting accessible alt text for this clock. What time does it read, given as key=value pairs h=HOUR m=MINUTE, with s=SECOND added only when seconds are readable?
h=9 m=1
